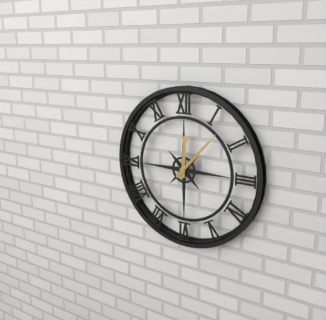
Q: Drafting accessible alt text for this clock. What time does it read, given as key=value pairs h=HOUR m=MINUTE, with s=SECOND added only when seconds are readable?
h=12 m=7
